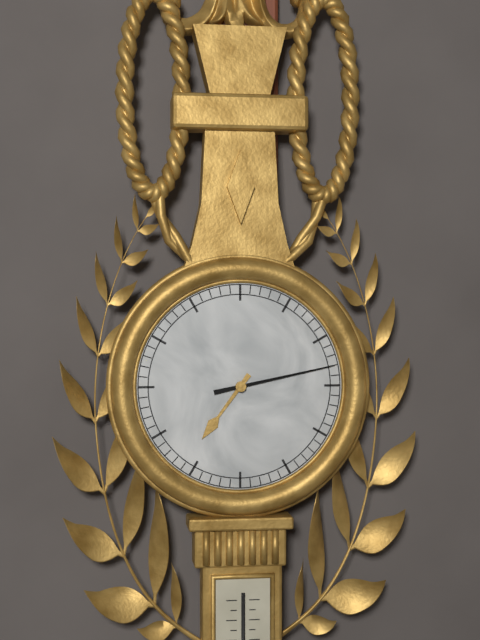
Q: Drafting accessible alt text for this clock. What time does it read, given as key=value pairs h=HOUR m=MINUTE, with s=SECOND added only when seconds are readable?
h=7 m=13
